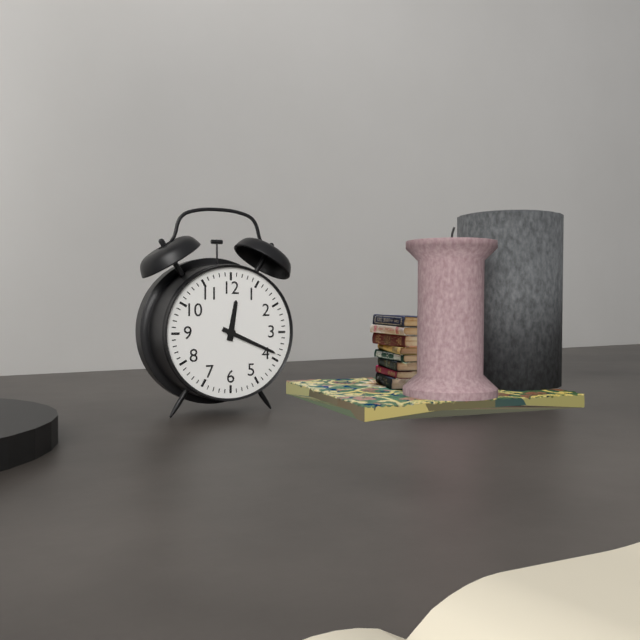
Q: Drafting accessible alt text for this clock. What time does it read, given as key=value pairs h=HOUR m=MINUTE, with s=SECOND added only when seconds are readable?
h=12 m=19
